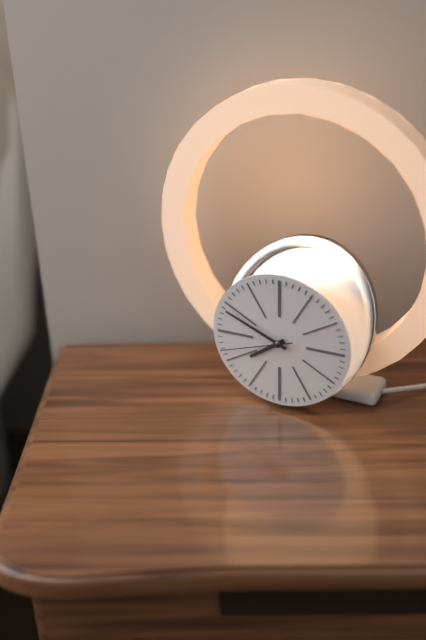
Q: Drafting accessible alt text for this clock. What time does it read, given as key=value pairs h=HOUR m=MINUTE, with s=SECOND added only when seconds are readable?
h=7 m=49 s=42
